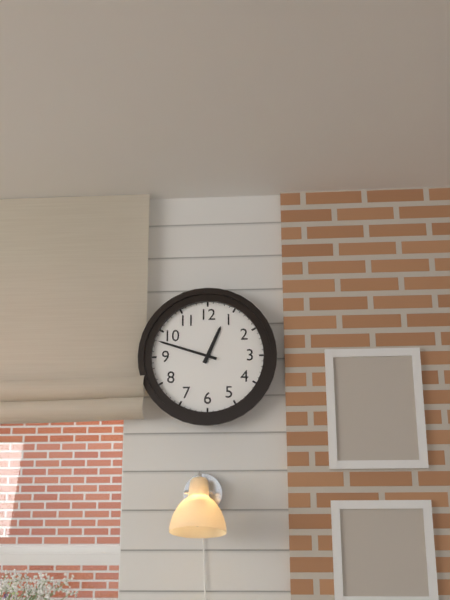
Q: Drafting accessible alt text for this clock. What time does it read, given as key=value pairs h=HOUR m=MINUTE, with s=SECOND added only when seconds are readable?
h=12 m=48
